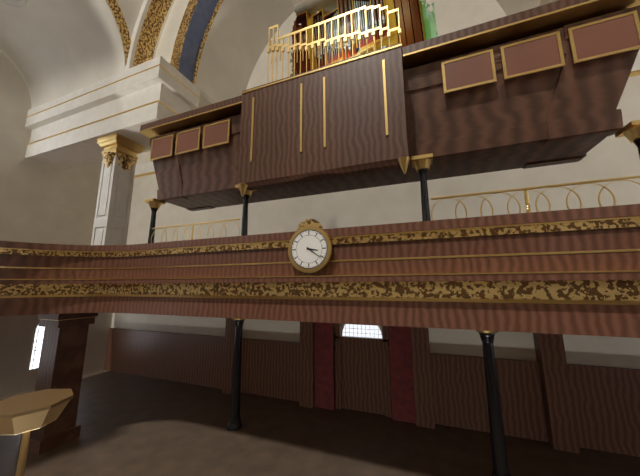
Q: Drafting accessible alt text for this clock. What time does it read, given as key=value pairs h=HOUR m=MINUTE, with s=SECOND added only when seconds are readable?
h=3 m=21
